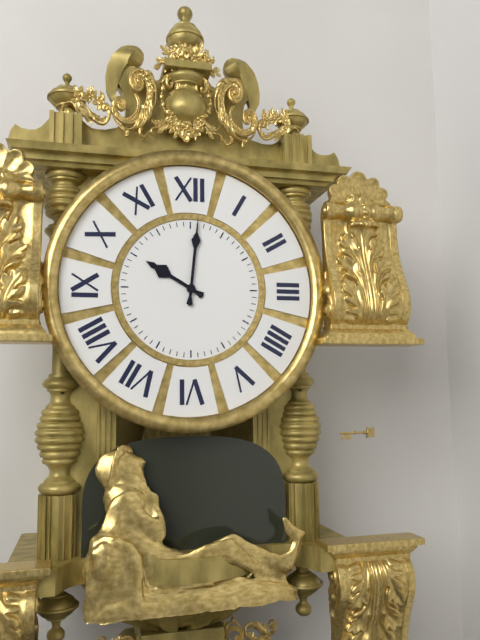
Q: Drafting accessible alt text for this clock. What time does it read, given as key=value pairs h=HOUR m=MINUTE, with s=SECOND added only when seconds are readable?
h=10 m=1
